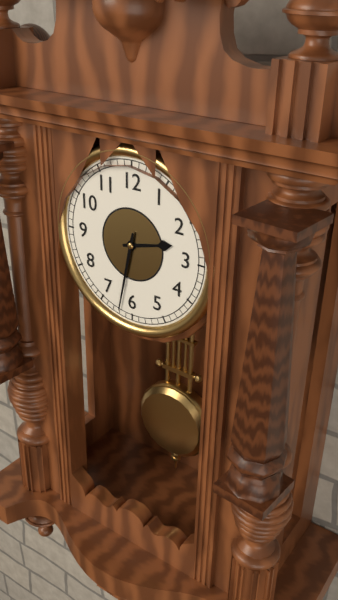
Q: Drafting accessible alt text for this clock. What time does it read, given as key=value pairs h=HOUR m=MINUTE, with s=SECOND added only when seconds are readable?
h=2 m=32
